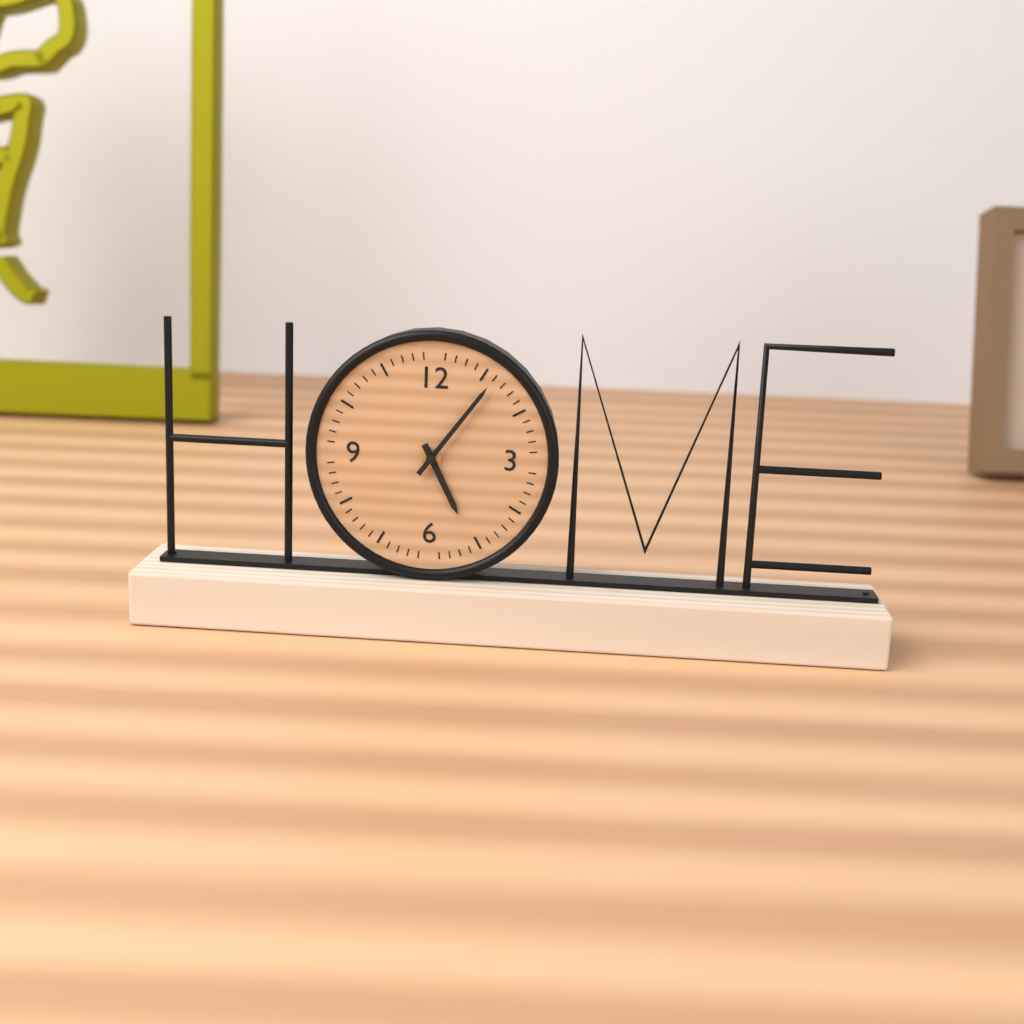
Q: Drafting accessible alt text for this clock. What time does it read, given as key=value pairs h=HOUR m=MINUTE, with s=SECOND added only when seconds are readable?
h=5 m=6
